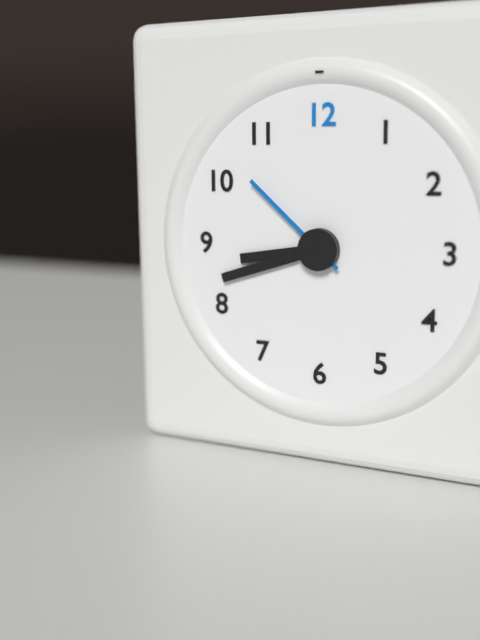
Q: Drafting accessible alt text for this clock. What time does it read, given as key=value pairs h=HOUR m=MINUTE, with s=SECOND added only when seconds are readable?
h=8 m=42 s=52
